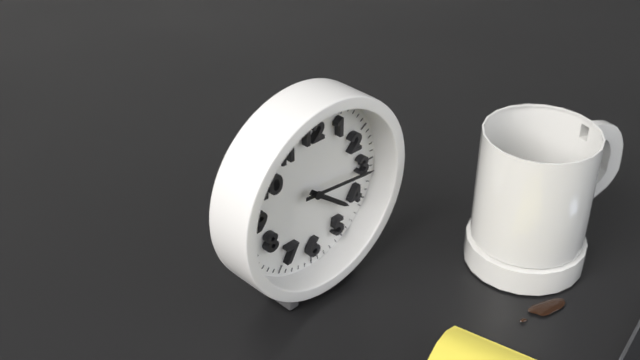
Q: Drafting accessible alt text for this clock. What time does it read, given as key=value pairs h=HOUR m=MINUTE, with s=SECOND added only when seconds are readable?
h=4 m=16
